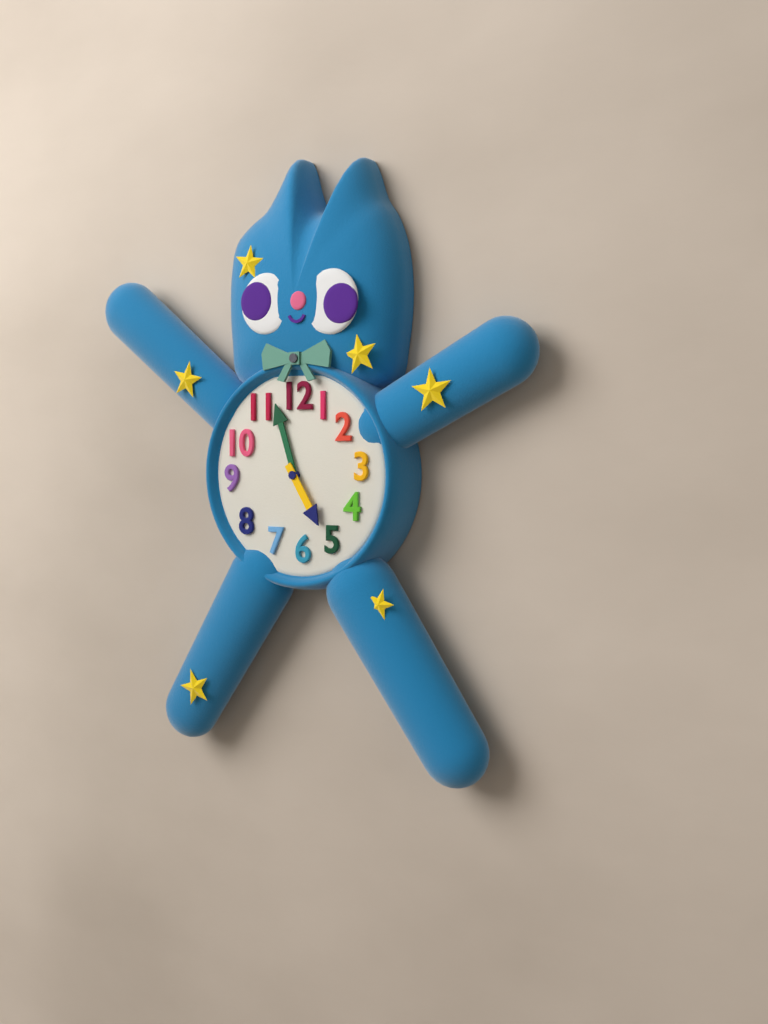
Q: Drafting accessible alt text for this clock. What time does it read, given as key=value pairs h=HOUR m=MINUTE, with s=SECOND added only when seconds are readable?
h=4 m=57
